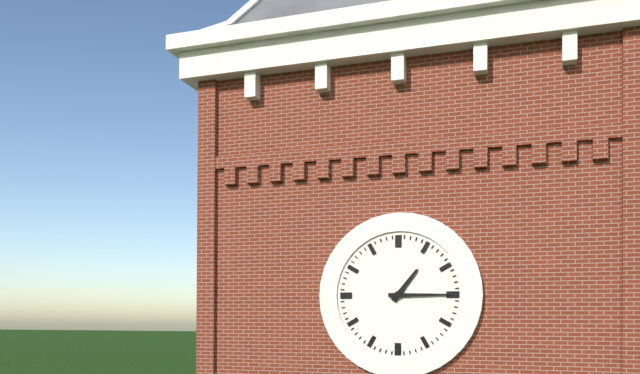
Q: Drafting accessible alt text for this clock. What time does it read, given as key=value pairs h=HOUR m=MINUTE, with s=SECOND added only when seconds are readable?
h=1 m=15
